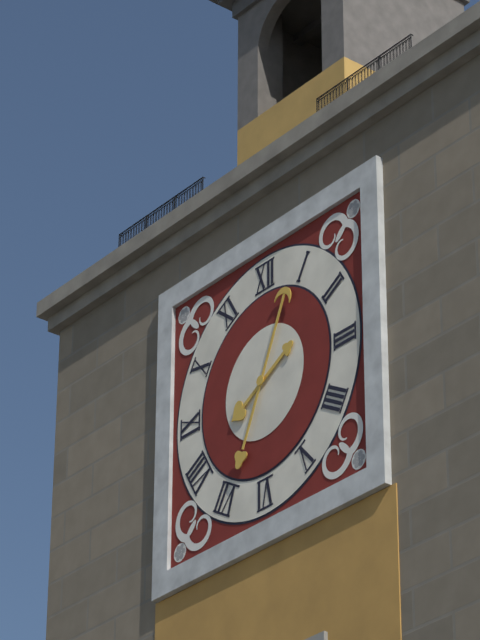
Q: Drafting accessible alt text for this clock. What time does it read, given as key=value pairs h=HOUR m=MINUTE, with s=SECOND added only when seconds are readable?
h=8 m=4
